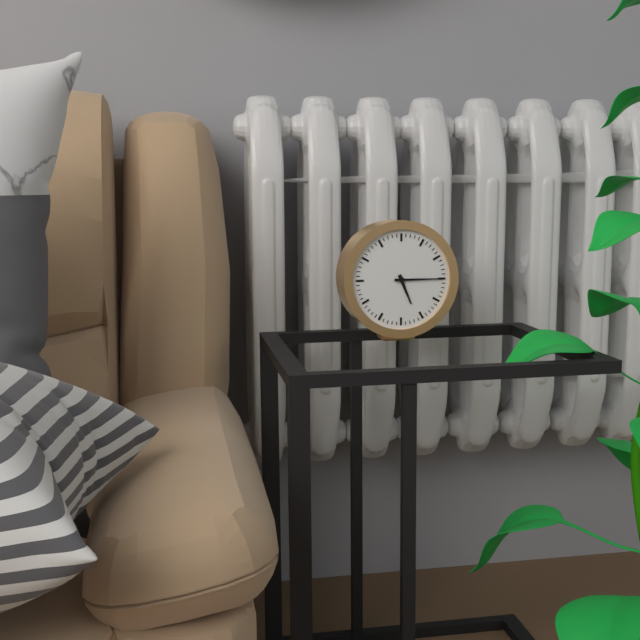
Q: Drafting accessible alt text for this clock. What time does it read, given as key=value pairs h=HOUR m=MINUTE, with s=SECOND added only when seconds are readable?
h=5 m=15
